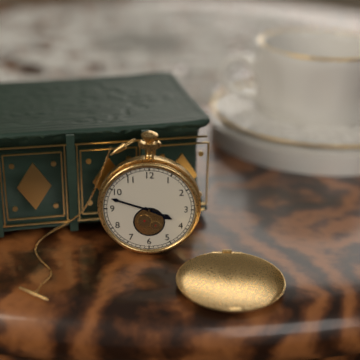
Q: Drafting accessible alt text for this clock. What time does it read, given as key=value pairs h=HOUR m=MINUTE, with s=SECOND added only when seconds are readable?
h=3 m=48
